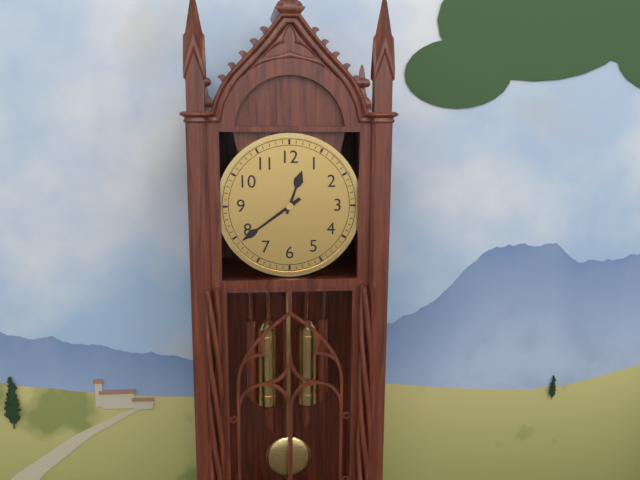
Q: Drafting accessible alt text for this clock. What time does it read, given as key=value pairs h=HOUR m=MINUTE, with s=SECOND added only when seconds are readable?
h=12 m=39
